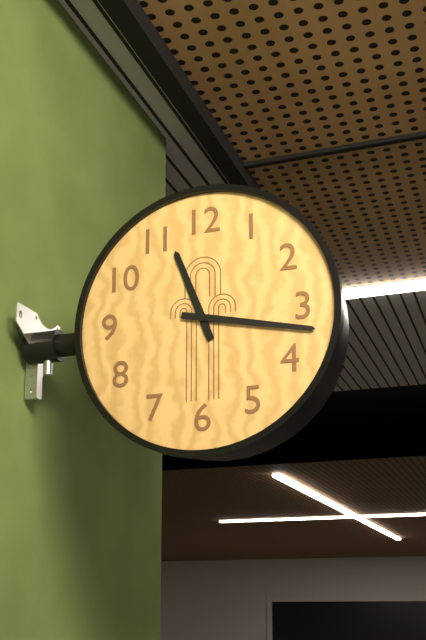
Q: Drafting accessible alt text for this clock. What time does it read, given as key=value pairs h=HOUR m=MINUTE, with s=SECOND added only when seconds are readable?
h=11 m=17
